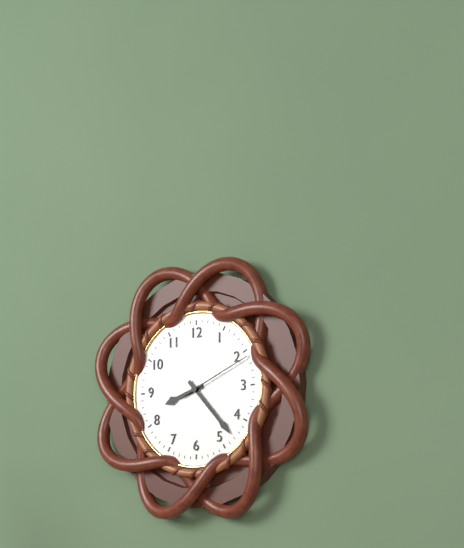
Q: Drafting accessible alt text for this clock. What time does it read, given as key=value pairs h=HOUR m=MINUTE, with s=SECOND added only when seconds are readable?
h=8 m=23 s=11
